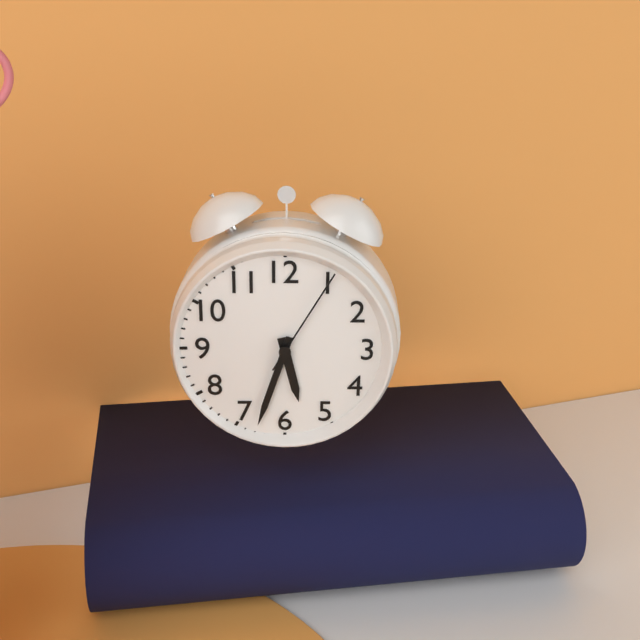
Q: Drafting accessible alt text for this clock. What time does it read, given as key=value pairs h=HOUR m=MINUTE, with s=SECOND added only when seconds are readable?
h=5 m=33 s=5
